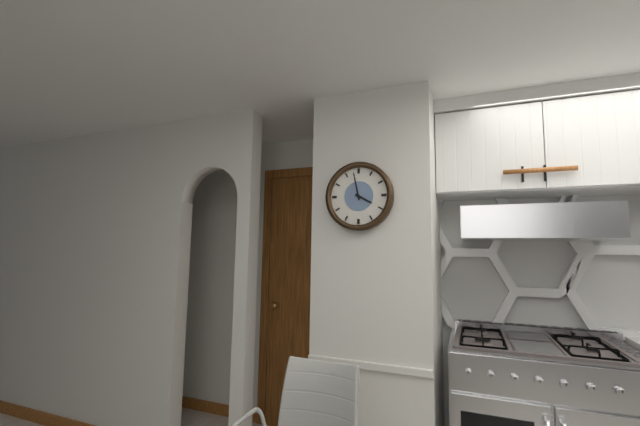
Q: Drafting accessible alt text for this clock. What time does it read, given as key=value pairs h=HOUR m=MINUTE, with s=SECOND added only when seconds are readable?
h=3 m=58
